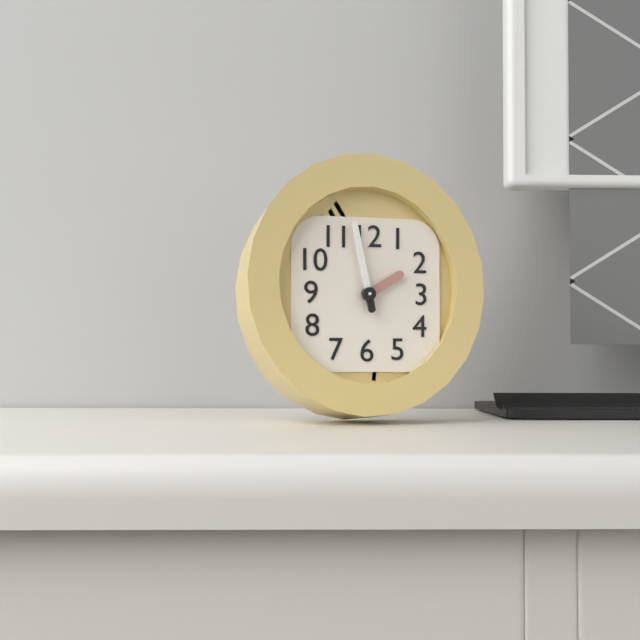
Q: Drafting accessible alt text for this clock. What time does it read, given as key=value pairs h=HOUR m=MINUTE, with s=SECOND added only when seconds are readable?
h=1 m=58
